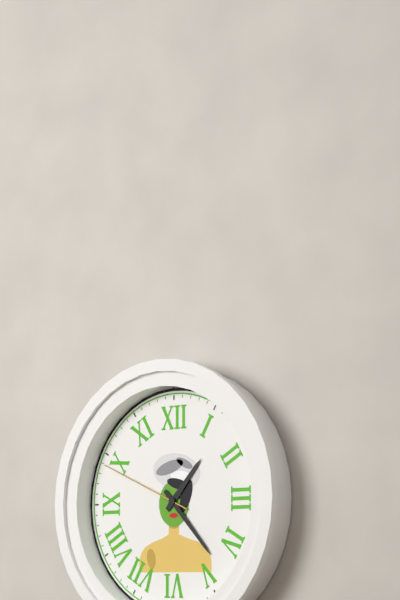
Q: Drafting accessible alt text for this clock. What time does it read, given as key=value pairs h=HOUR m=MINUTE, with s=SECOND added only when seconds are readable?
h=1 m=23 s=49
